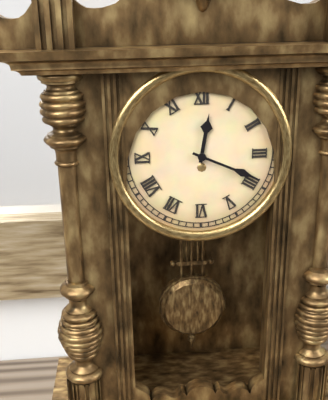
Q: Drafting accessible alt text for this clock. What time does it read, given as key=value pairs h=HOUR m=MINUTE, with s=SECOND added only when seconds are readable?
h=12 m=19
